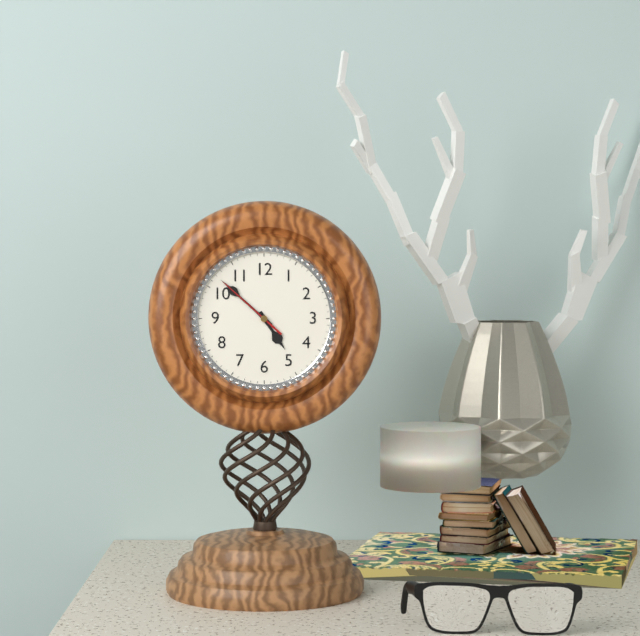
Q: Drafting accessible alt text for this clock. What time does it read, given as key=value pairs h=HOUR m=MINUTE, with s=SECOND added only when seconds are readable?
h=4 m=52 s=52
